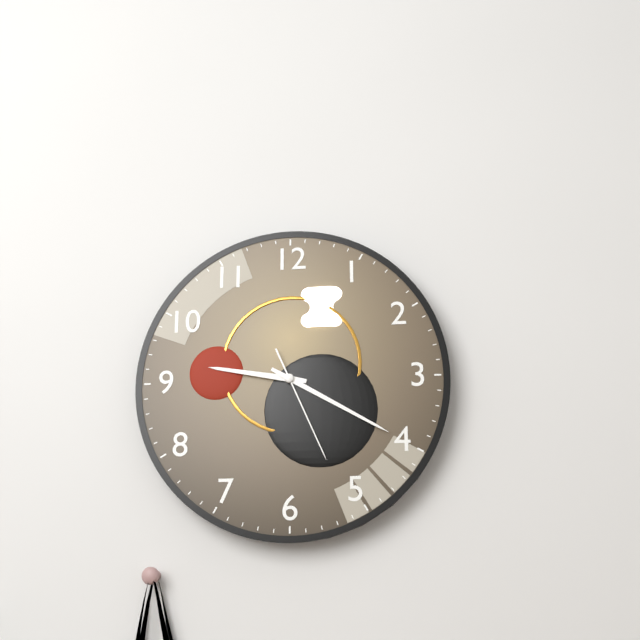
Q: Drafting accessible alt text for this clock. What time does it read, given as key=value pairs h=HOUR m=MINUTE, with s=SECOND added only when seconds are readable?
h=9 m=20 s=26
